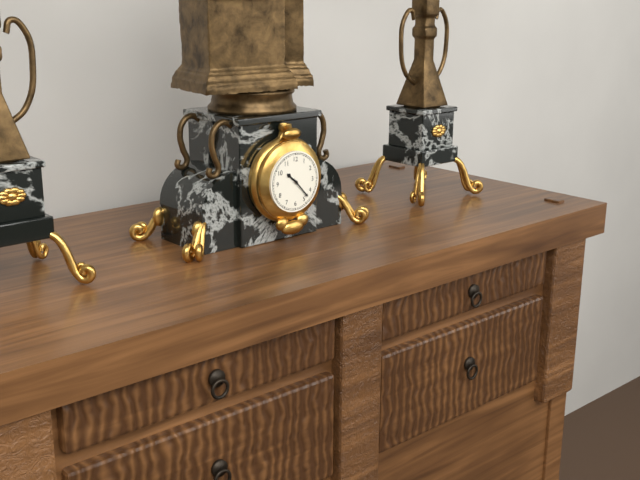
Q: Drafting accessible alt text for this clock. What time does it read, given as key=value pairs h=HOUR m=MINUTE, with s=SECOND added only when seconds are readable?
h=10 m=23
